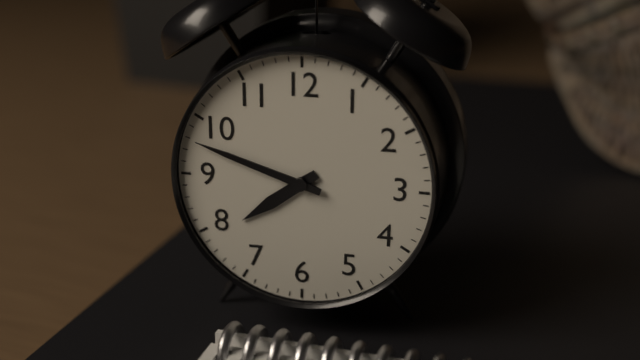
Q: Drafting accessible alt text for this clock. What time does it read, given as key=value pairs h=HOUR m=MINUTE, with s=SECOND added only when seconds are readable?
h=7 m=48
